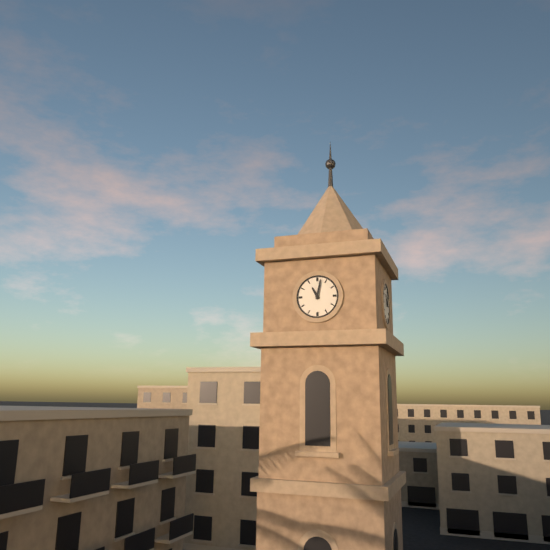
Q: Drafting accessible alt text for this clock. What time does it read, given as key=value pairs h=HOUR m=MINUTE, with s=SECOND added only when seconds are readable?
h=11 m=2
